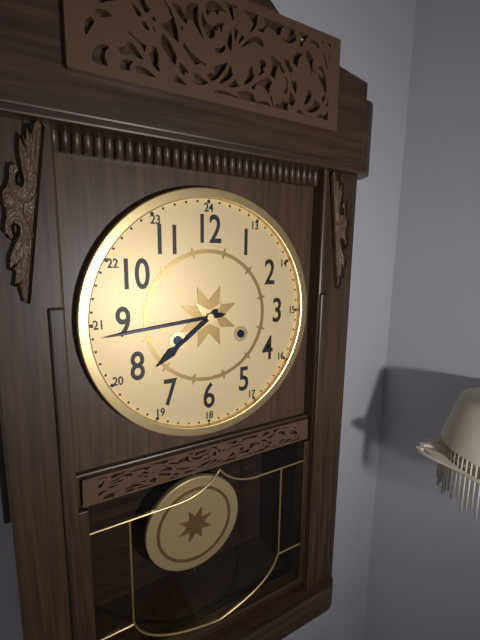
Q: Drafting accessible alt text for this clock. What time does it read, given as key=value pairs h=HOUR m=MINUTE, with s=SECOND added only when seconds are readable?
h=7 m=44
